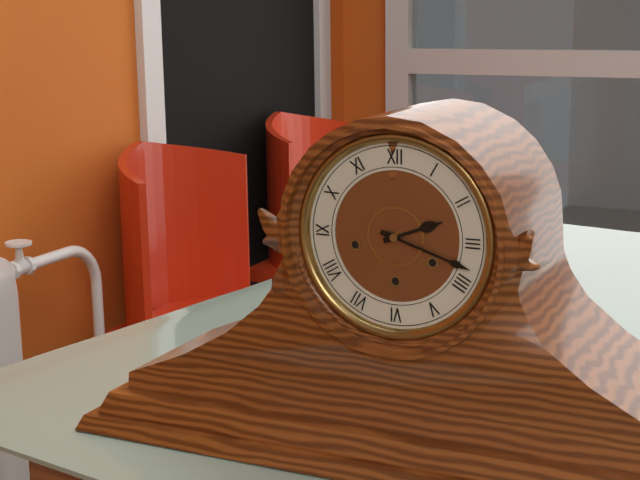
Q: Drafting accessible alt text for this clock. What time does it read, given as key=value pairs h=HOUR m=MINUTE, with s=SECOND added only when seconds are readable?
h=2 m=18
